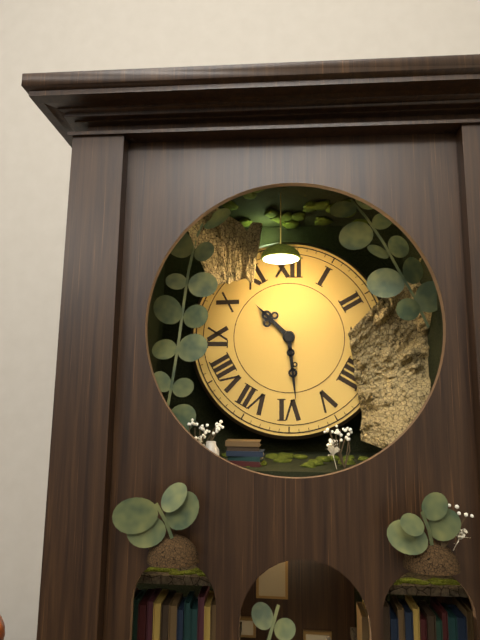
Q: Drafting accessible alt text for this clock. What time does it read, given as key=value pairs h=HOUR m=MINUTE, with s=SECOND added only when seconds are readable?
h=10 m=29
